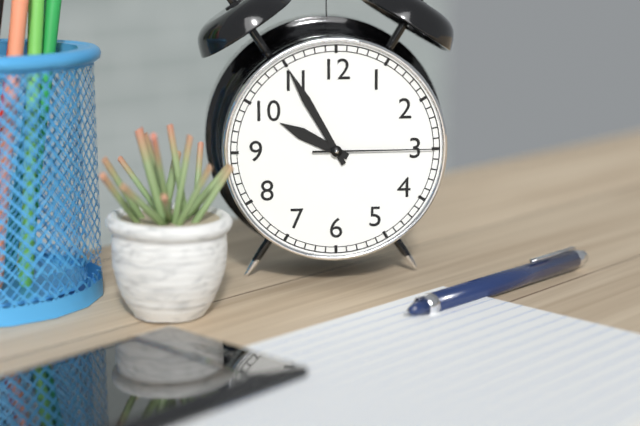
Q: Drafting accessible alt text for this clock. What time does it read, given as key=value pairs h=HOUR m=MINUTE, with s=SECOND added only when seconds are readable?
h=9 m=55 s=15
